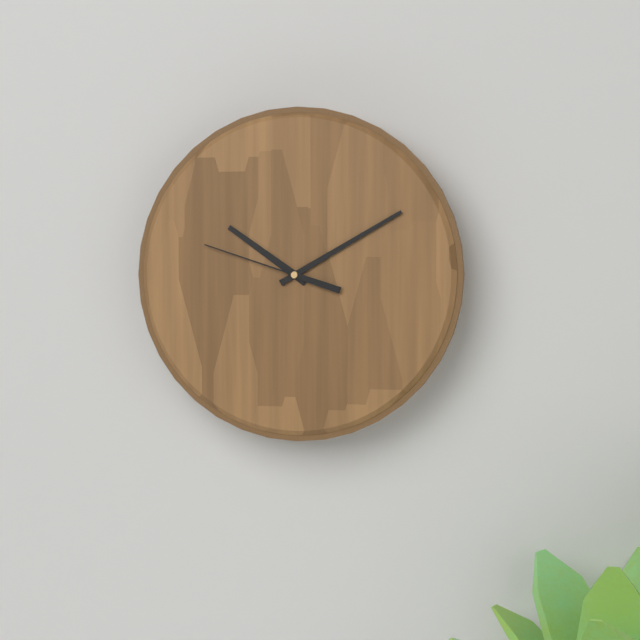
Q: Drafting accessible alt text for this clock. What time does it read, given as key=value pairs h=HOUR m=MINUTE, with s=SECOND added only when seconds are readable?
h=10 m=10 s=48
